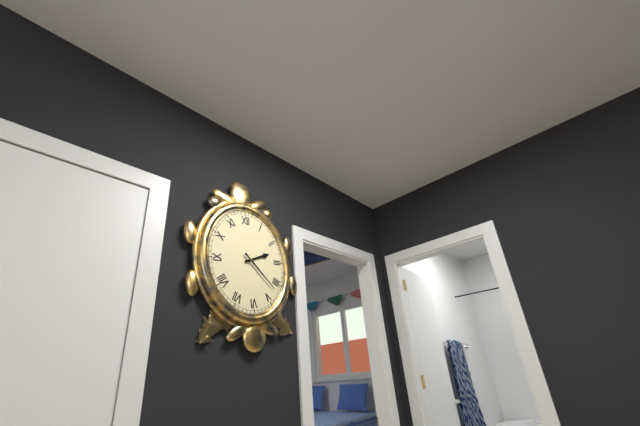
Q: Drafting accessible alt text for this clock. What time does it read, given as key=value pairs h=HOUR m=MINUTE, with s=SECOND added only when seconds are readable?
h=2 m=23
